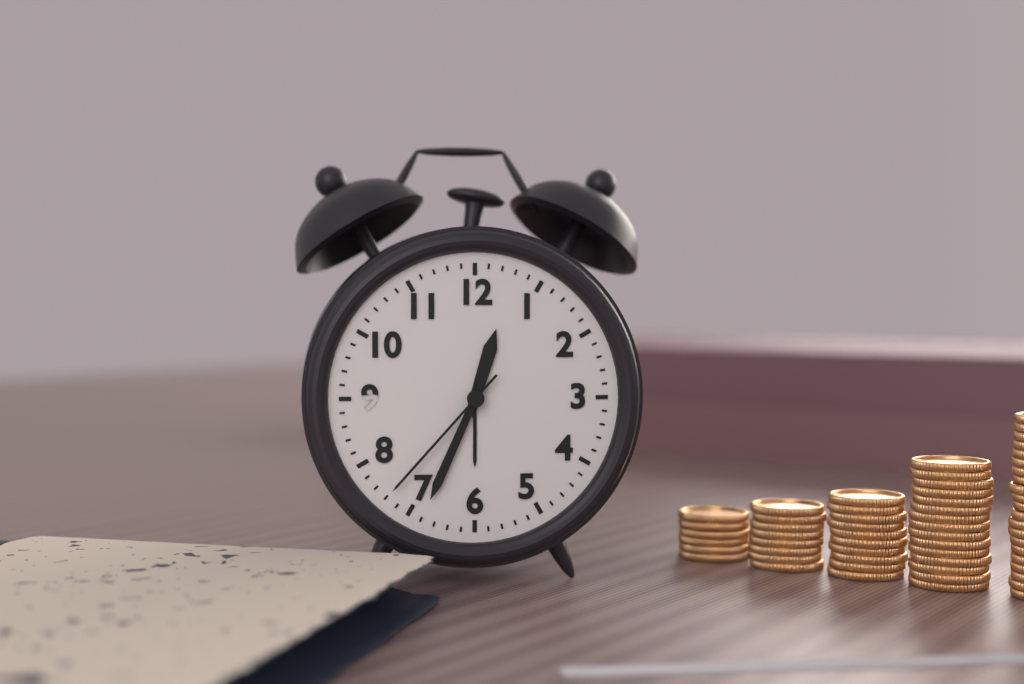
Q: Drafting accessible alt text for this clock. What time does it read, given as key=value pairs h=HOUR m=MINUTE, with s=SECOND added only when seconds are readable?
h=12 m=34 s=37
